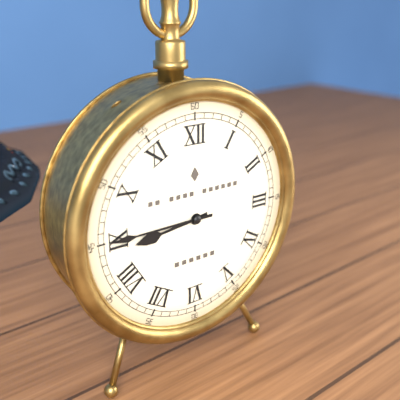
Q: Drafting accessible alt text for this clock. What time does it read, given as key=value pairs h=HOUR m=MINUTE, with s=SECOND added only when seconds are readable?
h=8 m=45
